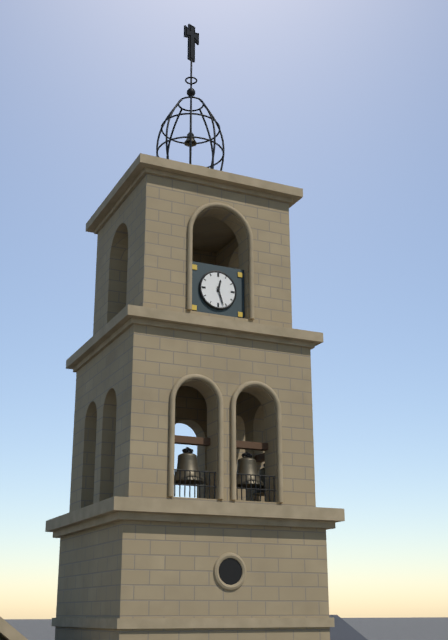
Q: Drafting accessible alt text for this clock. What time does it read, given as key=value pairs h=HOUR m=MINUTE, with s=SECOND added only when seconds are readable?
h=12 m=27
